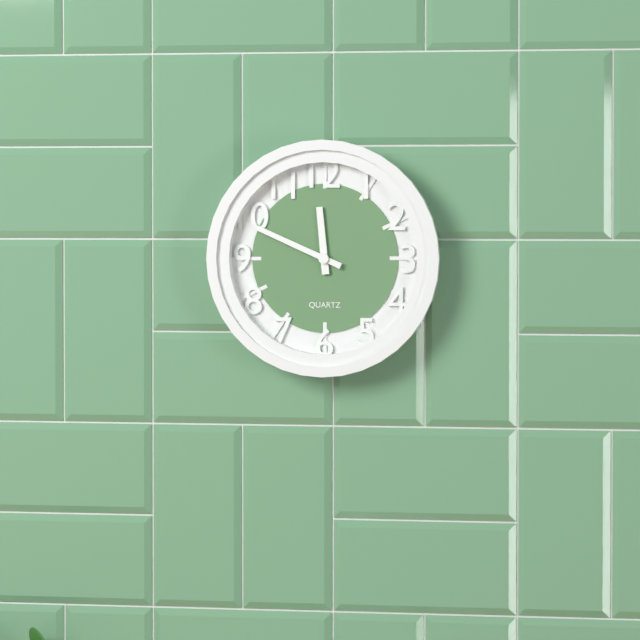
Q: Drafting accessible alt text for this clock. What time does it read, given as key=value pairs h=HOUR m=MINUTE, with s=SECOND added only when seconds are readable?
h=11 m=49
